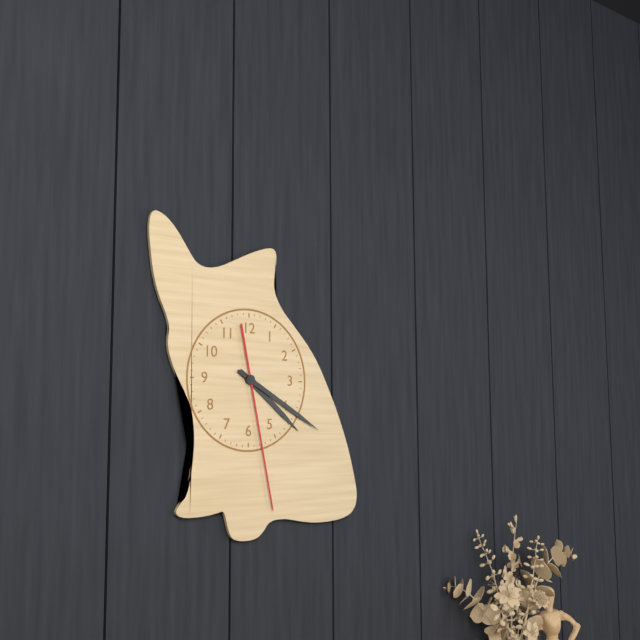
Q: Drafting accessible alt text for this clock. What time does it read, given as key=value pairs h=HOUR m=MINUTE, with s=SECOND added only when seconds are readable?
h=4 m=20 s=28
